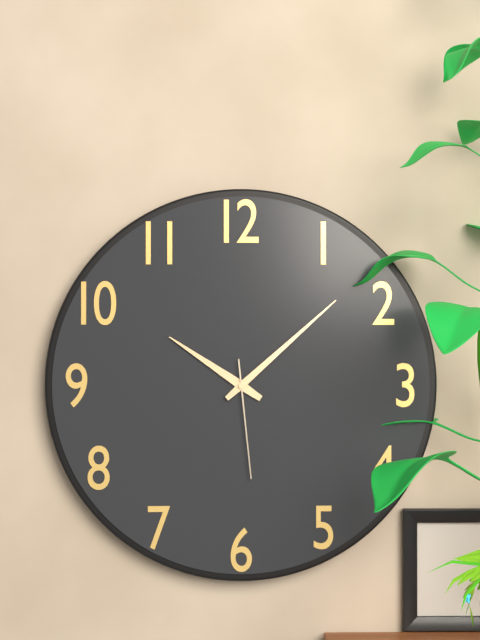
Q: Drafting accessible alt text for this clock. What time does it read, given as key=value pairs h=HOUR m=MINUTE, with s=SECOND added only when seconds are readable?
h=10 m=8 s=29
